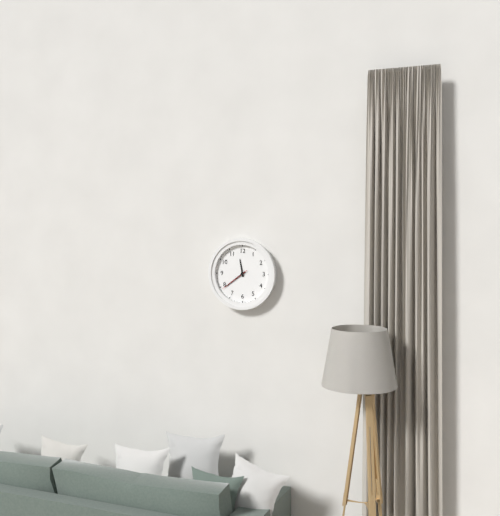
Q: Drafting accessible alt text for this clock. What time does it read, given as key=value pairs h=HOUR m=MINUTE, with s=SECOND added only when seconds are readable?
h=11 m=39
